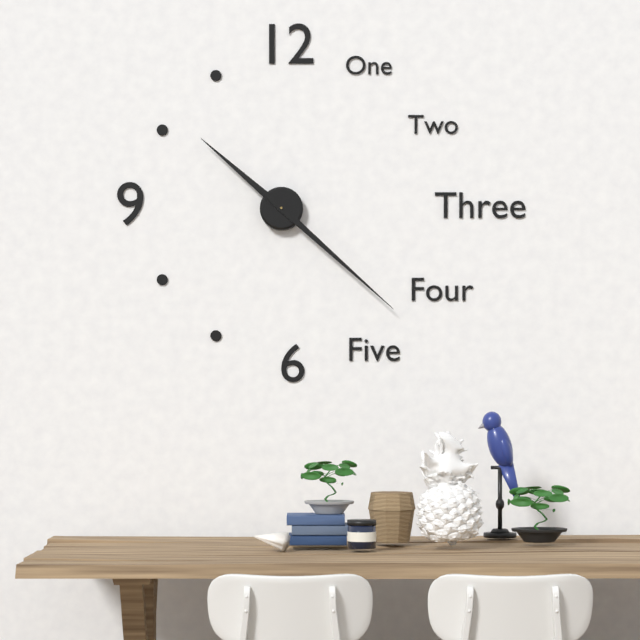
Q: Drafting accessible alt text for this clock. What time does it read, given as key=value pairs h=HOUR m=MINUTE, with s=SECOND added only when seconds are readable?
h=10 m=22
